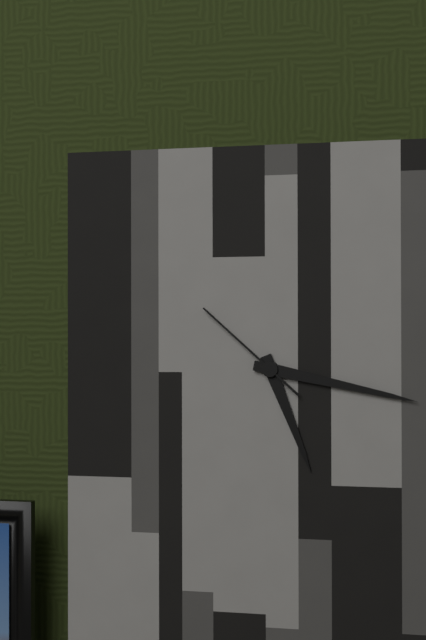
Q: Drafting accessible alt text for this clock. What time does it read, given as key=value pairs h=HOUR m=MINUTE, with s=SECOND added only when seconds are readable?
h=5 m=17 s=52
